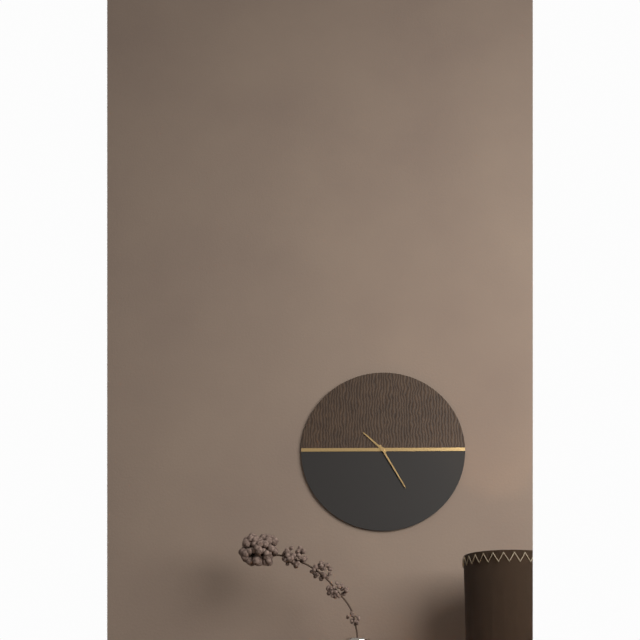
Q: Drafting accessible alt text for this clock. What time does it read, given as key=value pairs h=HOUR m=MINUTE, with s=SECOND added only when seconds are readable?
h=10 m=25
